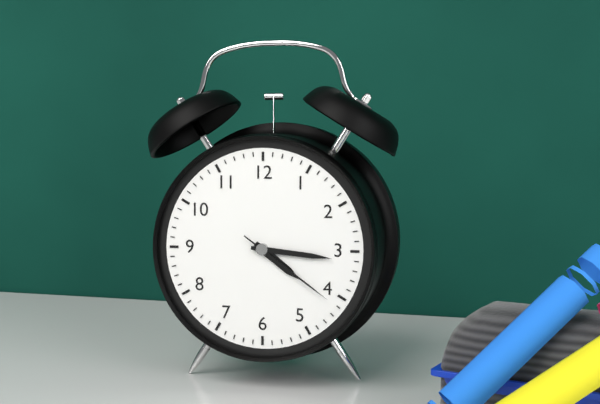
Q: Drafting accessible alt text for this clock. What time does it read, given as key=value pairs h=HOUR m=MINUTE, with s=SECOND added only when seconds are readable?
h=4 m=16 s=21
